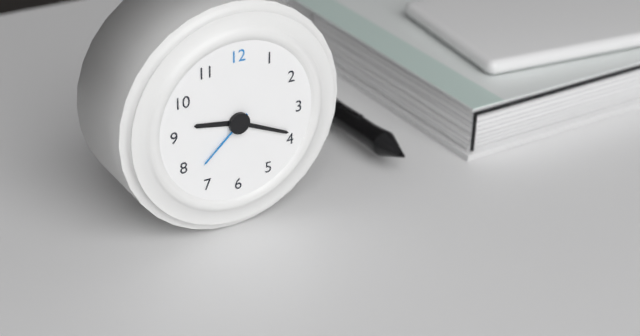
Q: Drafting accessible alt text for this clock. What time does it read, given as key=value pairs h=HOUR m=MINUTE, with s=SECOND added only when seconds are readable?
h=9 m=19 s=38
